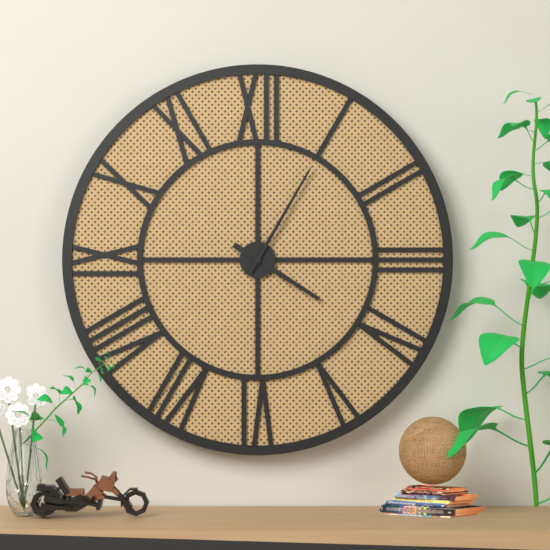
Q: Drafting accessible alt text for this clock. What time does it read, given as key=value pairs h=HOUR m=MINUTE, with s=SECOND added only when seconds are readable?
h=4 m=5
